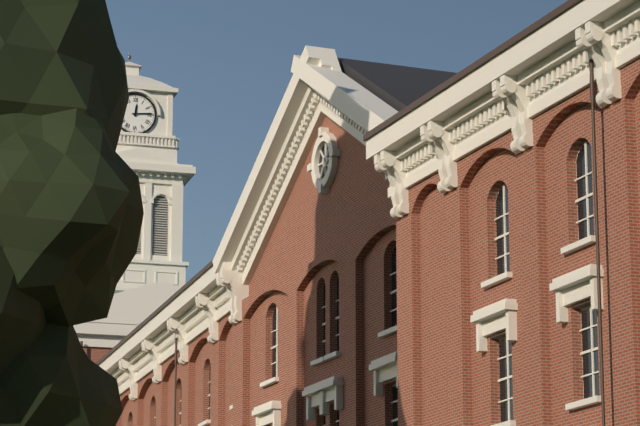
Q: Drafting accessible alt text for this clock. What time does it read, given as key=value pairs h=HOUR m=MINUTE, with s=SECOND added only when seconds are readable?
h=12 m=14
